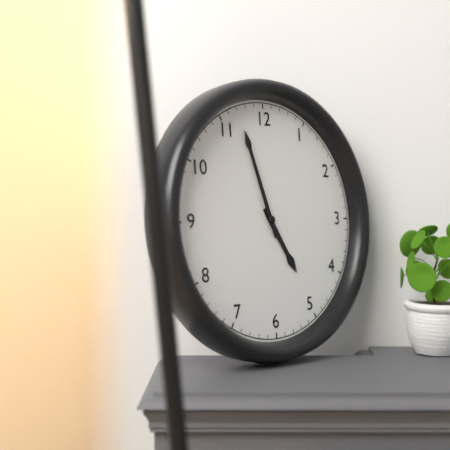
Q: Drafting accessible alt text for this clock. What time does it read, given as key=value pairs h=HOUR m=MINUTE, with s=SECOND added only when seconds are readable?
h=4 m=57
